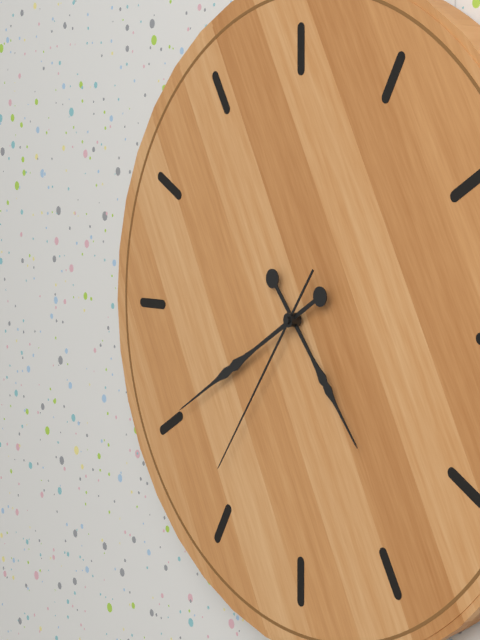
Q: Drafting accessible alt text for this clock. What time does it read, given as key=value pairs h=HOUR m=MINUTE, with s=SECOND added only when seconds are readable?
h=4 m=40 s=36
